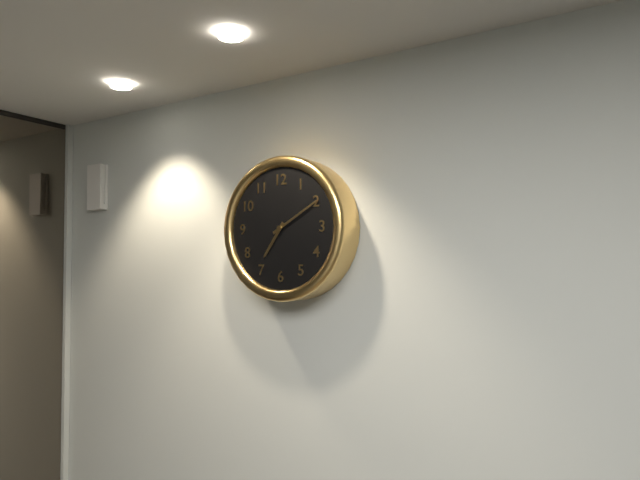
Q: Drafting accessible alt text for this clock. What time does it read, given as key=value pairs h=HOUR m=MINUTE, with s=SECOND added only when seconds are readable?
h=7 m=10
